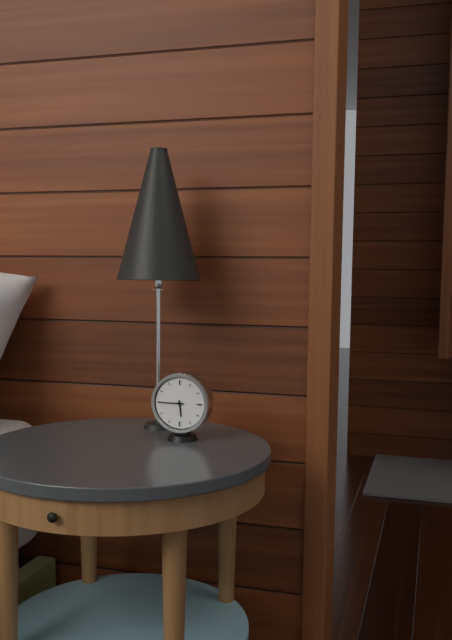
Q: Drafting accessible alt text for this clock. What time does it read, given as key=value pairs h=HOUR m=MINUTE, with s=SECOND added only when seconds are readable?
h=5 m=45
